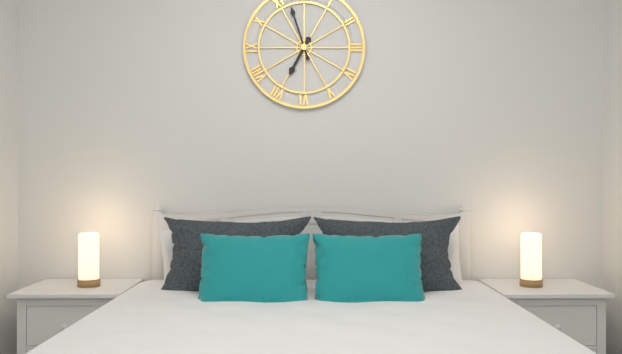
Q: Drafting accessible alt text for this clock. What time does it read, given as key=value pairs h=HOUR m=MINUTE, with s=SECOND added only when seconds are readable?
h=6 m=57
